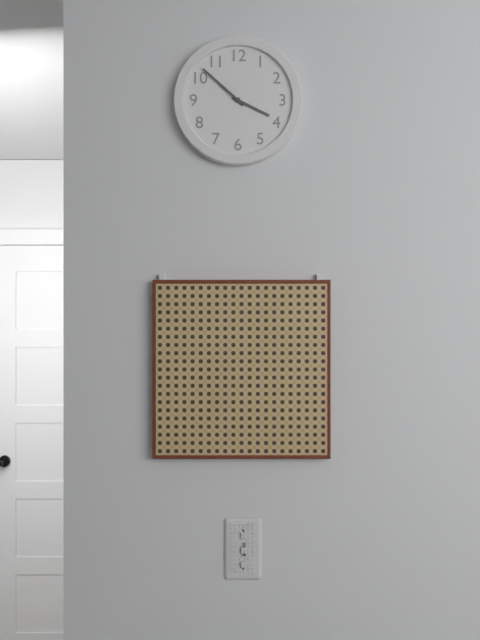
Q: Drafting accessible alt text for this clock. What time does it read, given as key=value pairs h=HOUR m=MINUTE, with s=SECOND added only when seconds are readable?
h=3 m=52
